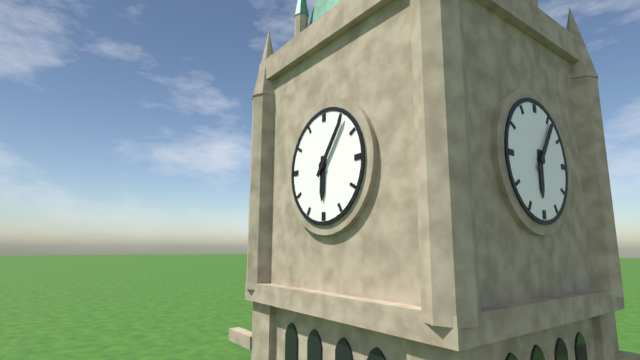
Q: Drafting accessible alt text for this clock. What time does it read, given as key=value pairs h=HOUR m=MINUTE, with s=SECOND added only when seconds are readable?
h=6 m=6
